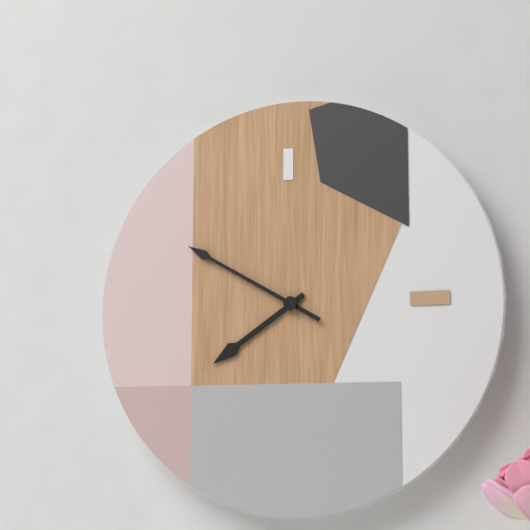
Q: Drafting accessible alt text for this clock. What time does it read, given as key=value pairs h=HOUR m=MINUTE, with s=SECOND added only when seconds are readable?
h=7 m=50
